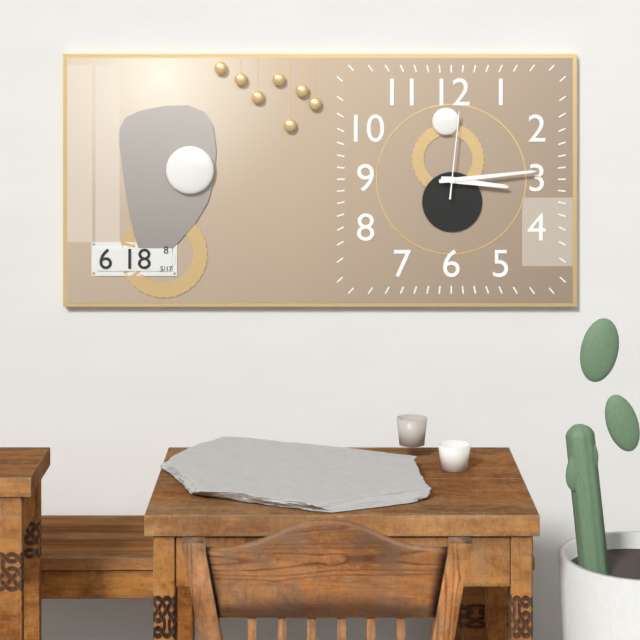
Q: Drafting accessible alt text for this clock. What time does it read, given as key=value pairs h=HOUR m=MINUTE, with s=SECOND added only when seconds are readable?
h=3 m=14 s=1
